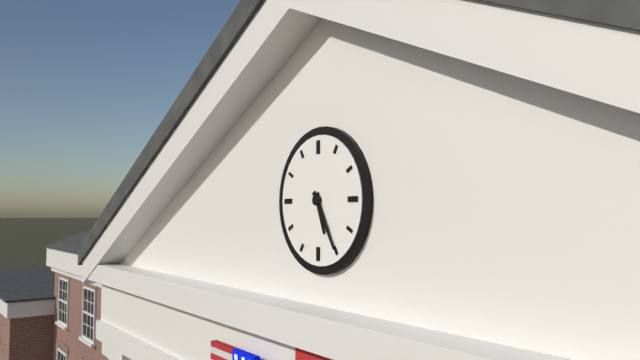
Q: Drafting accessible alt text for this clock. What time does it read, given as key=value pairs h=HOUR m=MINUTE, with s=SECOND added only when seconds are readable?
h=5 m=25
